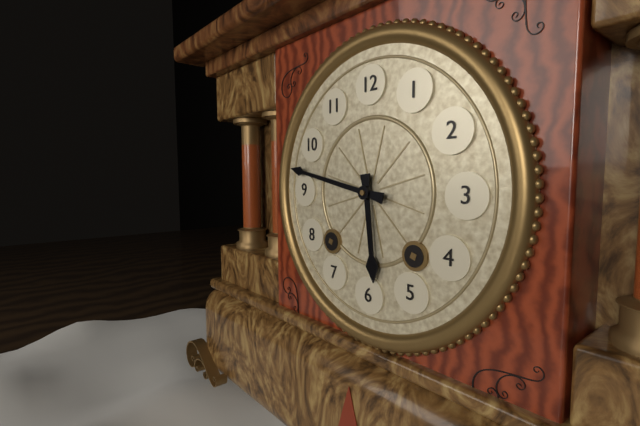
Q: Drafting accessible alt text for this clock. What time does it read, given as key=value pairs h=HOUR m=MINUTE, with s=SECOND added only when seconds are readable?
h=5 m=47
